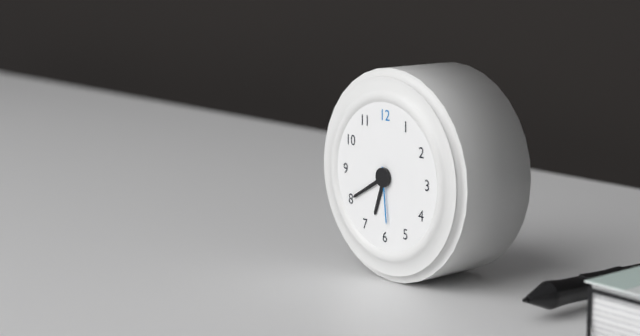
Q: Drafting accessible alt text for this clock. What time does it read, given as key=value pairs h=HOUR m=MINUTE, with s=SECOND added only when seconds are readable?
h=6 m=40 s=29
